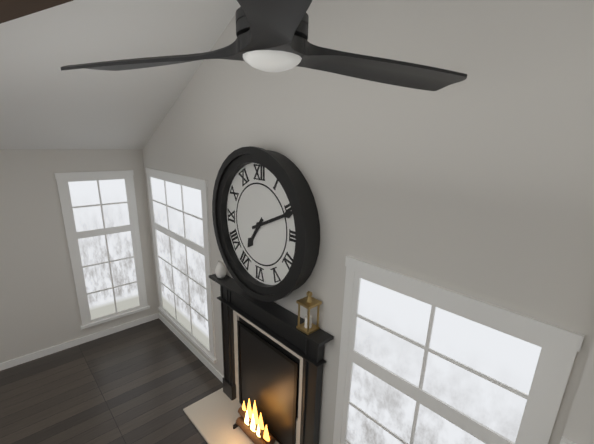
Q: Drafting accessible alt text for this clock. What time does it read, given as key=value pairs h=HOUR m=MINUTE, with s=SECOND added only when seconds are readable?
h=7 m=11
